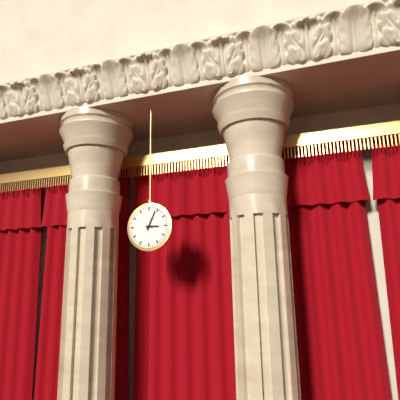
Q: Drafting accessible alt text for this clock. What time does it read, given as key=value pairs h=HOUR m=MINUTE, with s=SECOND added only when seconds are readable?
h=3 m=4
